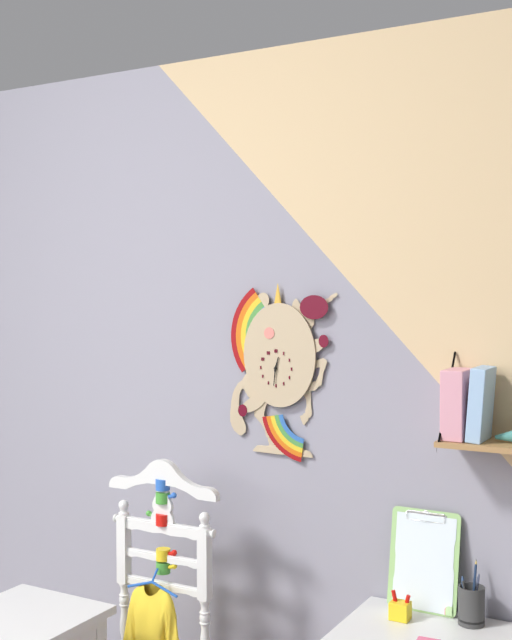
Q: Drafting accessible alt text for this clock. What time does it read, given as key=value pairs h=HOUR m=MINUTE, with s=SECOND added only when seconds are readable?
h=12 m=31
